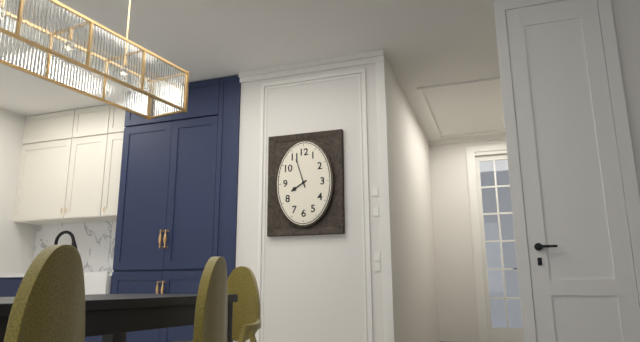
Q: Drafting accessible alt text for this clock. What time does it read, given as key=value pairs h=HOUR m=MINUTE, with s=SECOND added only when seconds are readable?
h=7 m=57
